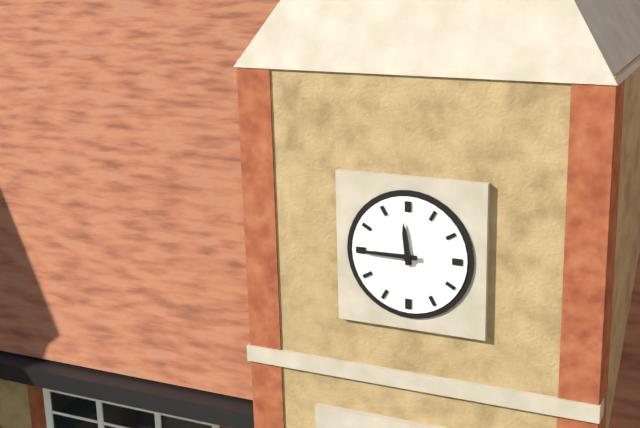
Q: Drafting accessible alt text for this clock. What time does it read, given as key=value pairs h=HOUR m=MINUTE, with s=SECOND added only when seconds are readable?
h=11 m=45
